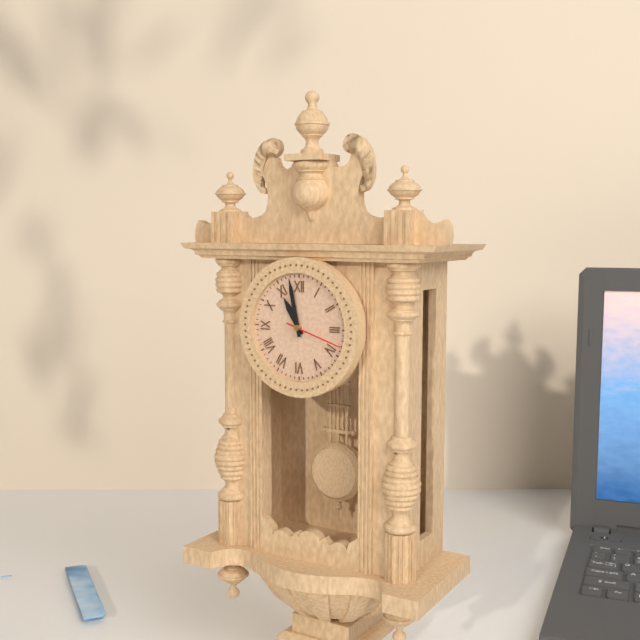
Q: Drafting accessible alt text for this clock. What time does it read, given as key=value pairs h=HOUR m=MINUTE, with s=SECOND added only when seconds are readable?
h=10 m=58 s=18
